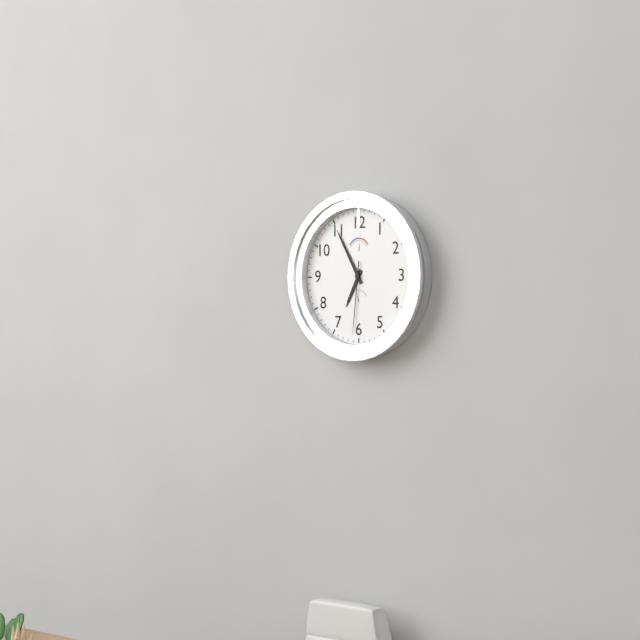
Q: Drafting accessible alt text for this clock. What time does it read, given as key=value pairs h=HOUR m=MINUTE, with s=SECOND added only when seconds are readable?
h=6 m=55 s=31
